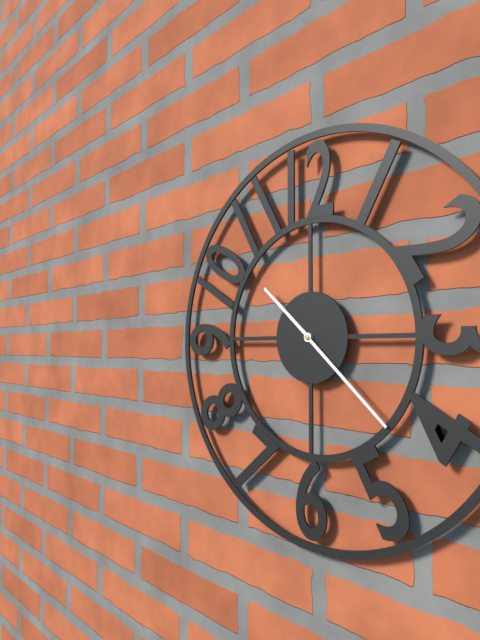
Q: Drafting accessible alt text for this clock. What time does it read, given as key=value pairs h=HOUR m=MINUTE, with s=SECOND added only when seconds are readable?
h=10 m=22
